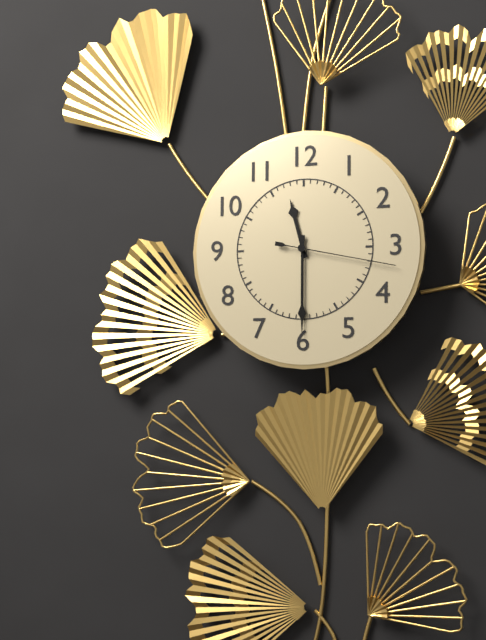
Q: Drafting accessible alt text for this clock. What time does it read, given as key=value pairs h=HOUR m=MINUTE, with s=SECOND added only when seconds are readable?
h=11 m=30 s=17
